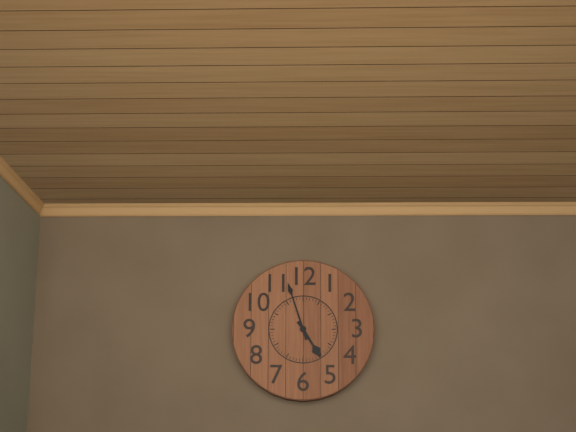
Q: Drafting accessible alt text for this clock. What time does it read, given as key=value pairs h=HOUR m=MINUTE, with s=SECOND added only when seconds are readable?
h=4 m=57
